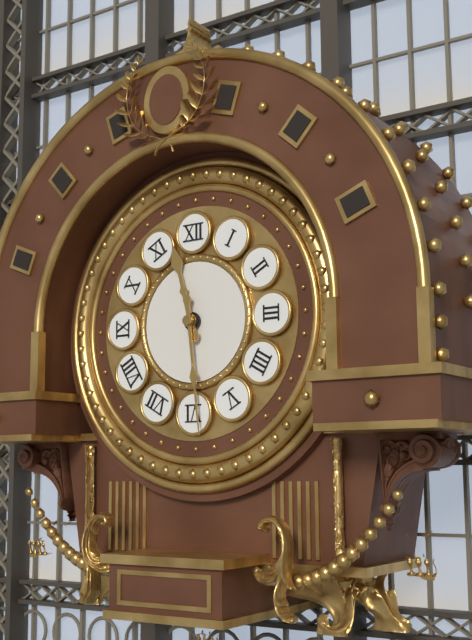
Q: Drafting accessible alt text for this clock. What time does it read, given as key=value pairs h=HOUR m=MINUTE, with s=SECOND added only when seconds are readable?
h=11 m=29
